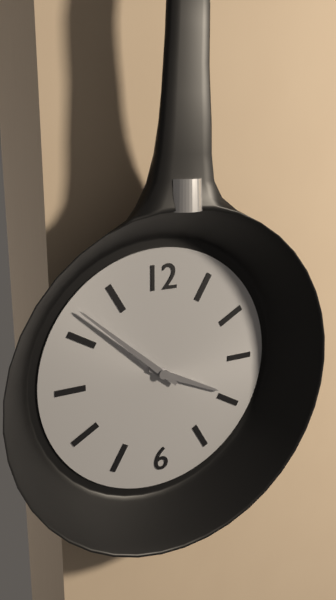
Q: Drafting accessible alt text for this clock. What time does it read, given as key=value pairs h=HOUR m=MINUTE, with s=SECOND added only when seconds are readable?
h=3 m=52
